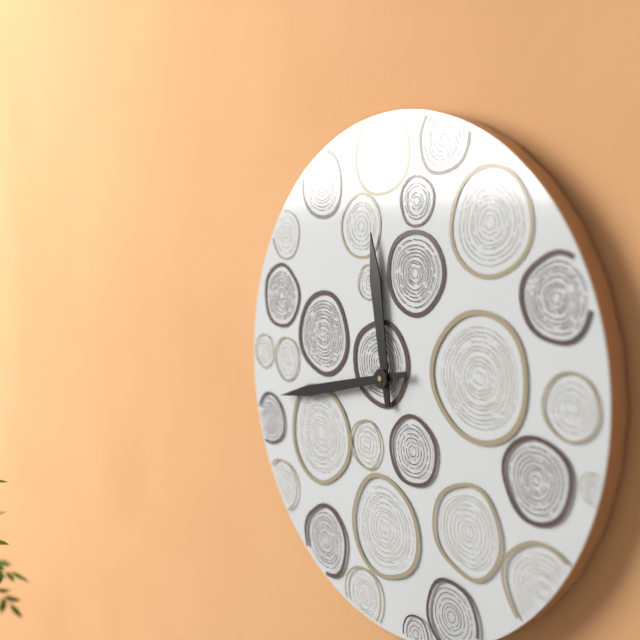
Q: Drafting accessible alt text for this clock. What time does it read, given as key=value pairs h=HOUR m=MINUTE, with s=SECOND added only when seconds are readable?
h=11 m=43
